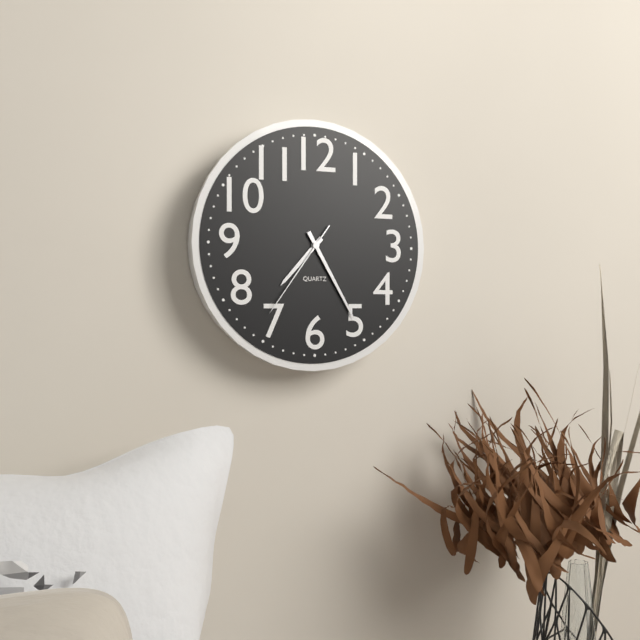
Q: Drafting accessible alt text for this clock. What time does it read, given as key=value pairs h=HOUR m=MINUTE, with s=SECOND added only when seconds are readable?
h=7 m=25 s=36
